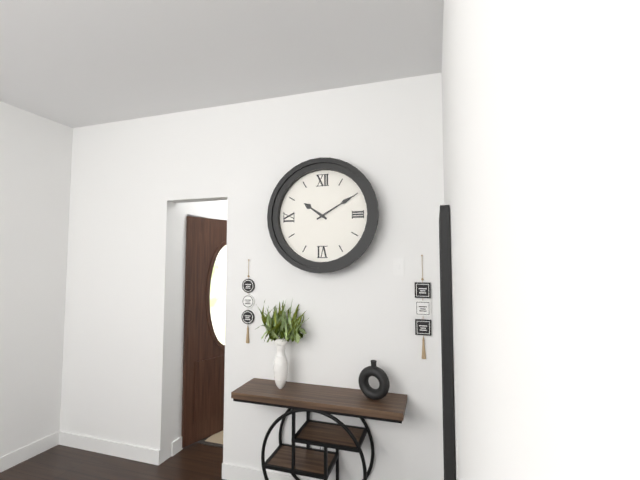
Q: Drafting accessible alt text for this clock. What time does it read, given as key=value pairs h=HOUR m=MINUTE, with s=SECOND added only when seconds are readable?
h=10 m=10
